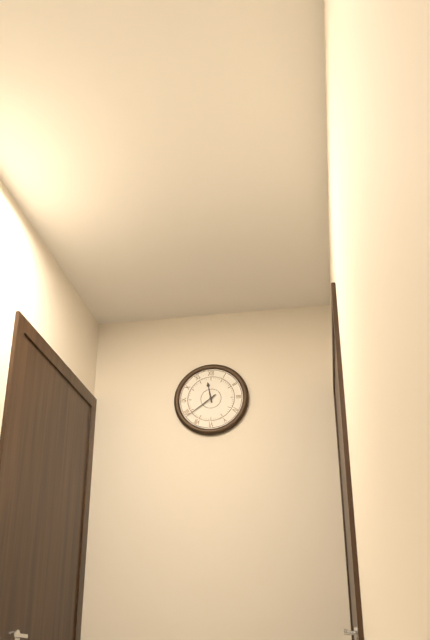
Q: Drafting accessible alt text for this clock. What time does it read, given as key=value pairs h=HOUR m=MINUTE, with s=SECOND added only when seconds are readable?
h=11 m=39
